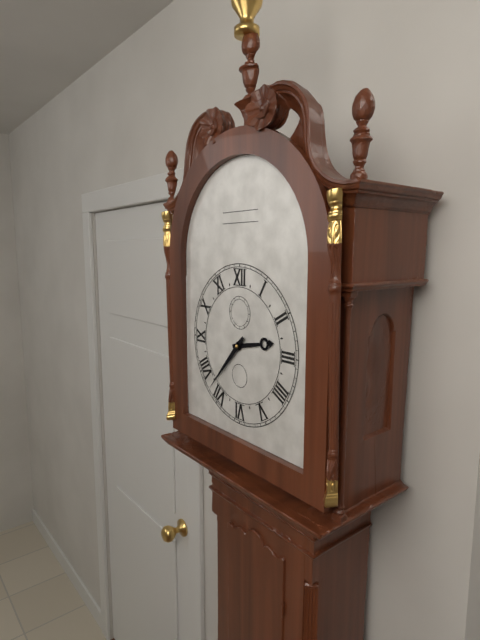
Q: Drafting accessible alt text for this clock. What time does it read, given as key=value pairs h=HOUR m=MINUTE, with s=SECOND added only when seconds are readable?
h=2 m=37
